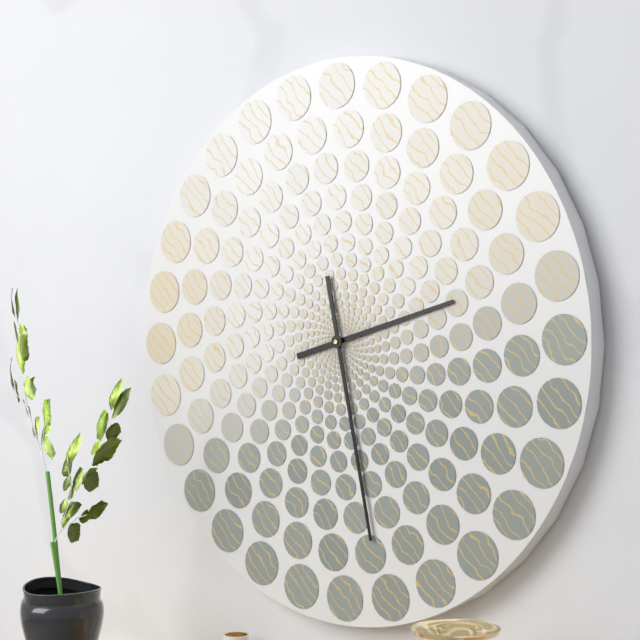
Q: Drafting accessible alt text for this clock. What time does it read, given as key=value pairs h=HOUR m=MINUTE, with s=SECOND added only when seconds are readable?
h=2 m=28
